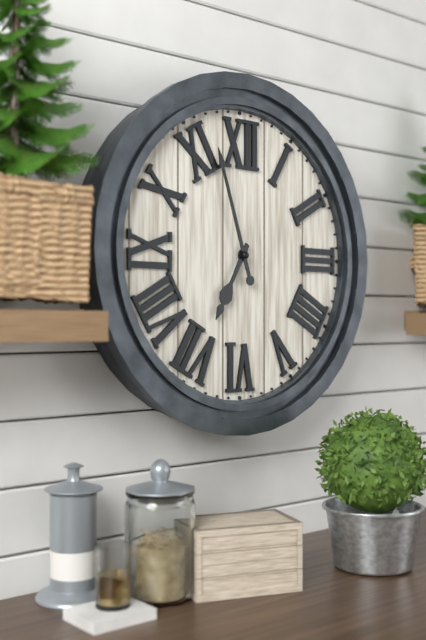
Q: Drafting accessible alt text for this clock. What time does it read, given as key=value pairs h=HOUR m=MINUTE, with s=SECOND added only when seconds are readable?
h=6 m=57
